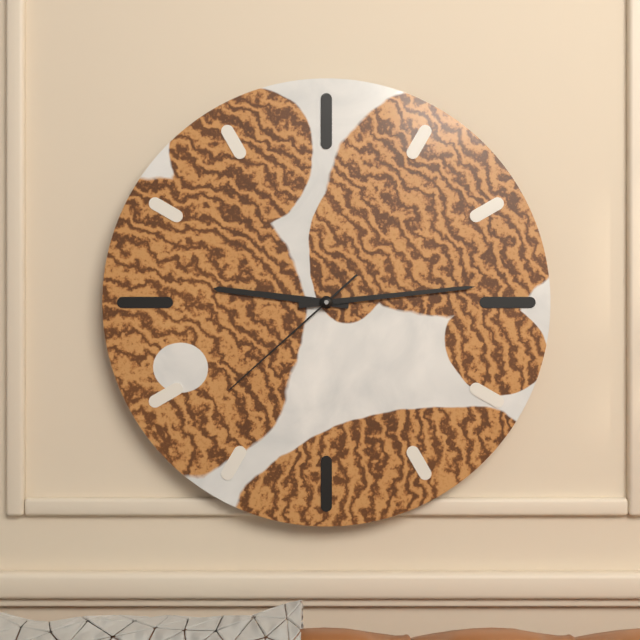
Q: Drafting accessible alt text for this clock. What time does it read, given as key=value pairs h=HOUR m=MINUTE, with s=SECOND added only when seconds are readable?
h=9 m=14 s=38
